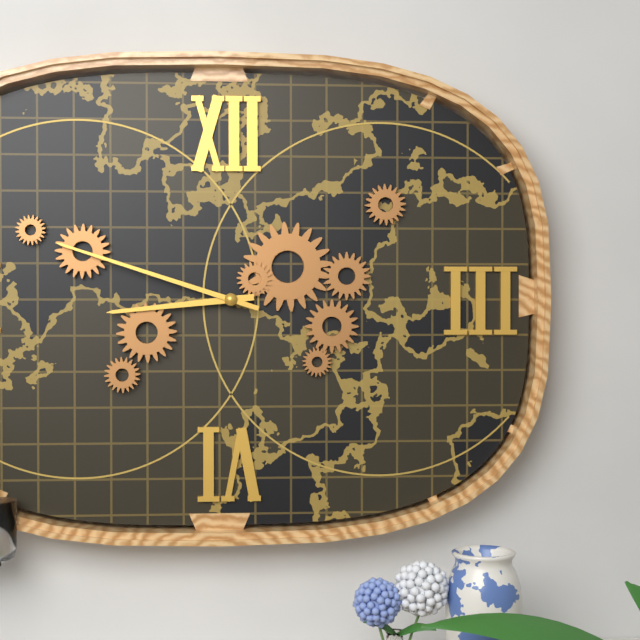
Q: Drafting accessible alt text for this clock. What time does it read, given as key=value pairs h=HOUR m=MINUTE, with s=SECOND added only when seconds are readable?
h=8 m=48
